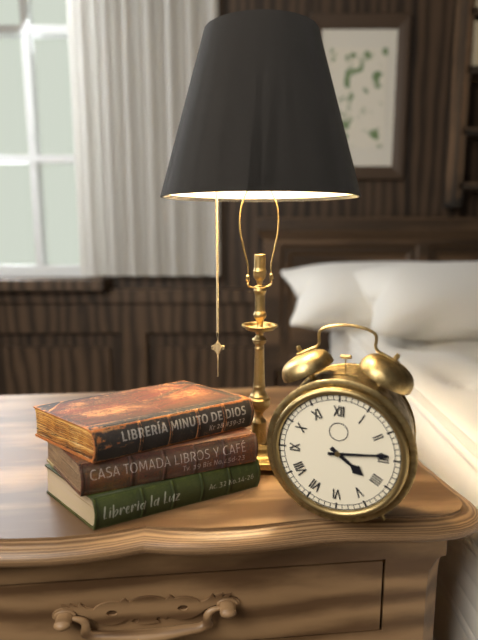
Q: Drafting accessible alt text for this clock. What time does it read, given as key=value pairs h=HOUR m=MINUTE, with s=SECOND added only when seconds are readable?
h=4 m=14
